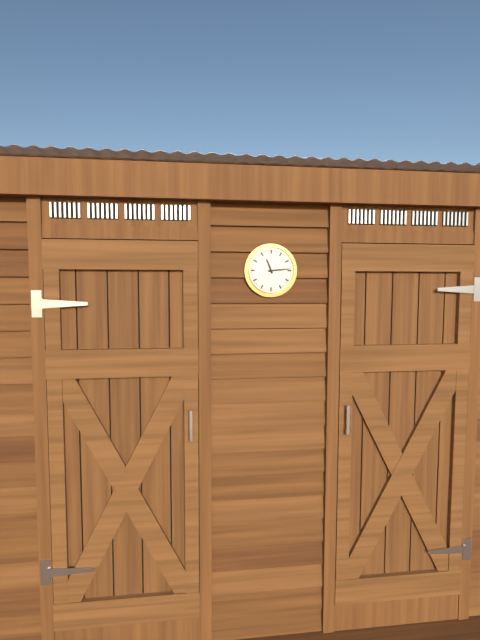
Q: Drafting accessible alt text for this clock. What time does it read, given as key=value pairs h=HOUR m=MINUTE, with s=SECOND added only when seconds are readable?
h=11 m=14
